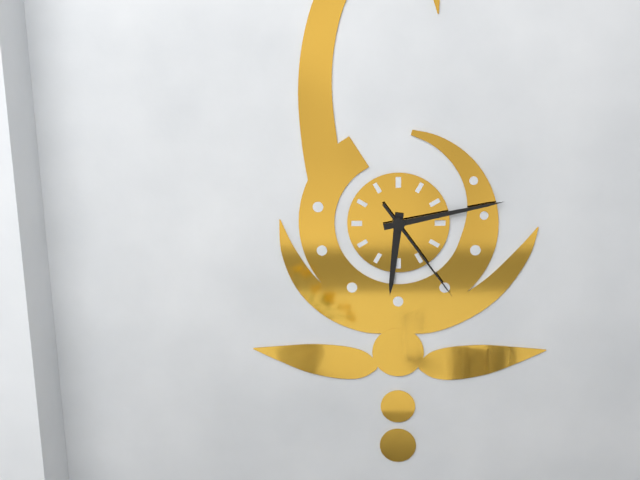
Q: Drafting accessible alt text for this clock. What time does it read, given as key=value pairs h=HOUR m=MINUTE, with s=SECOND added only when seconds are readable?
h=6 m=13 s=24
